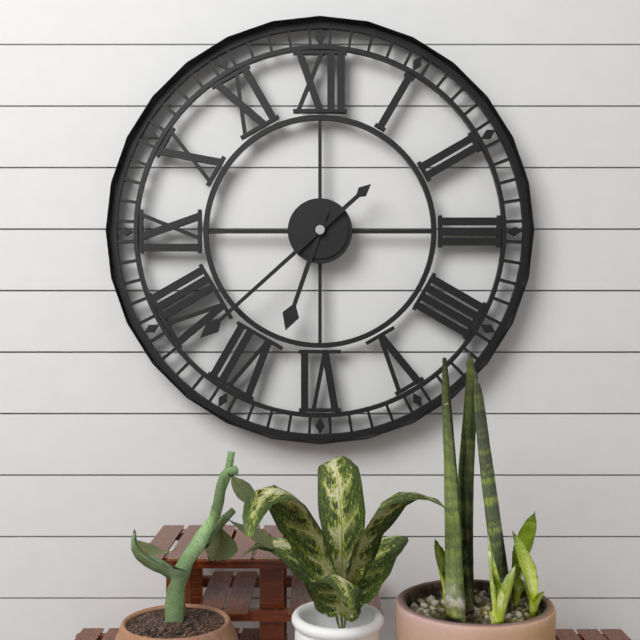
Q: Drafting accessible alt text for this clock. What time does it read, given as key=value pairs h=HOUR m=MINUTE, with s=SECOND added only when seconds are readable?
h=6 m=38
